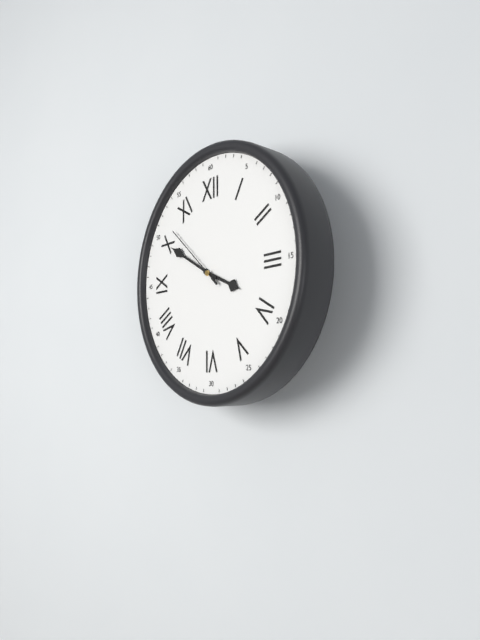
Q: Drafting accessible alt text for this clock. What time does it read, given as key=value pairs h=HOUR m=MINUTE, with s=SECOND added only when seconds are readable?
h=3 m=50 s=52
